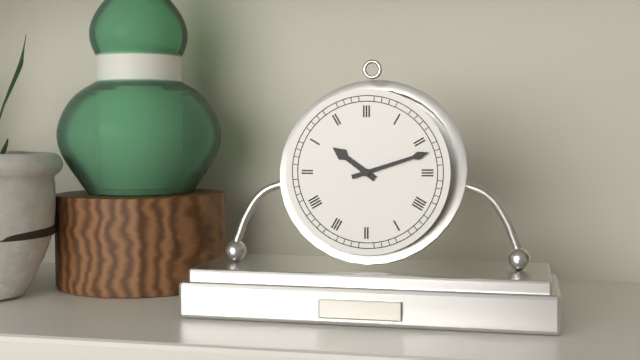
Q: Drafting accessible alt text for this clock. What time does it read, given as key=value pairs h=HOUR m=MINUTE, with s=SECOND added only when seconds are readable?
h=10 m=12
